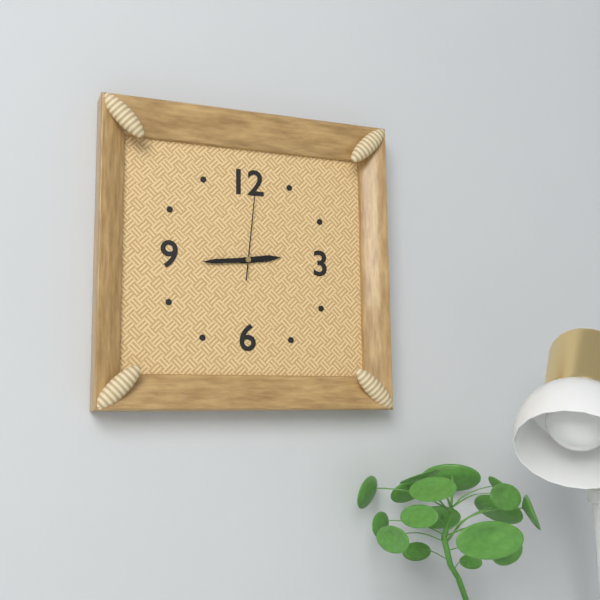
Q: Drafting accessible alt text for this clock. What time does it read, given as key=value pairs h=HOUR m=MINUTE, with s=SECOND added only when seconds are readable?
h=2 m=44 s=1
